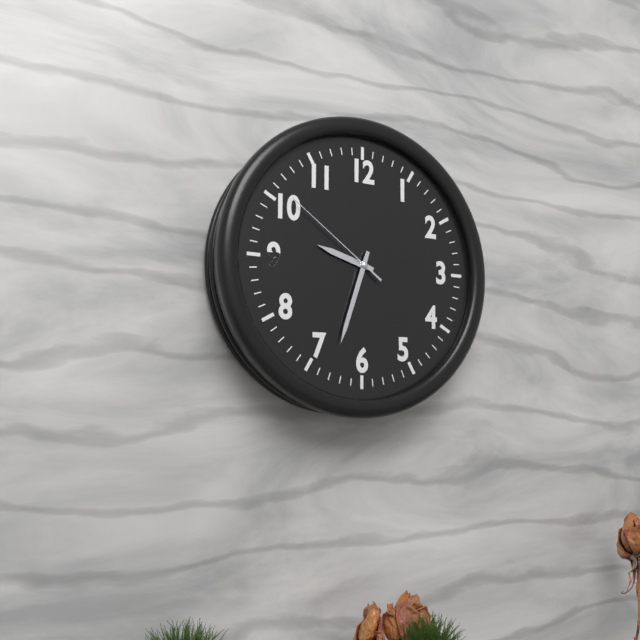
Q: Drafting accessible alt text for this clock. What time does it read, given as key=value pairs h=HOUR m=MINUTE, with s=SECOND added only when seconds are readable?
h=9 m=33 s=51
